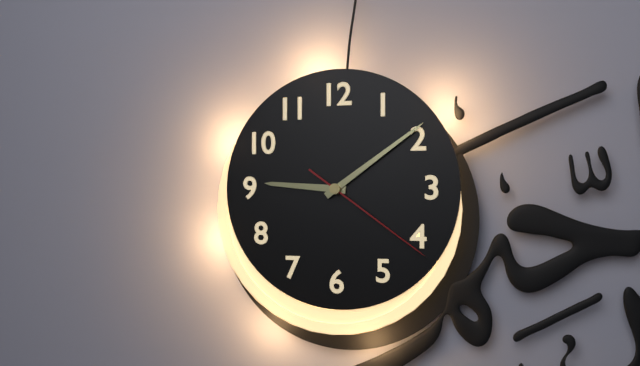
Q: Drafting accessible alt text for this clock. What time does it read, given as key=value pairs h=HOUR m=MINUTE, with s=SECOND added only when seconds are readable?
h=9 m=9 s=21
